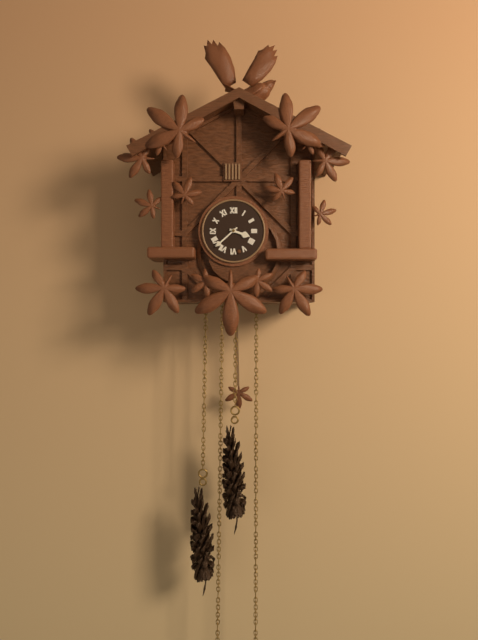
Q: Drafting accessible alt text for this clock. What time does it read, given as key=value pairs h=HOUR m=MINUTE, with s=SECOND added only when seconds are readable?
h=3 m=38
